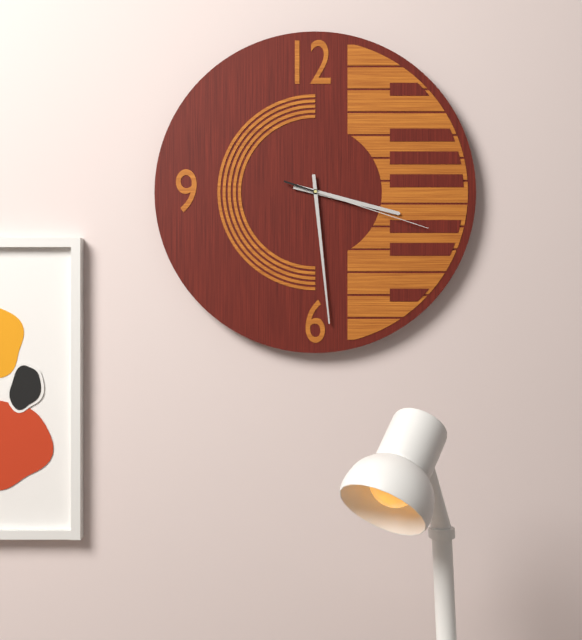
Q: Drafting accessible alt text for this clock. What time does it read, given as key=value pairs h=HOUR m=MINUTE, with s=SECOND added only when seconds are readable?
h=3 m=29 s=18
